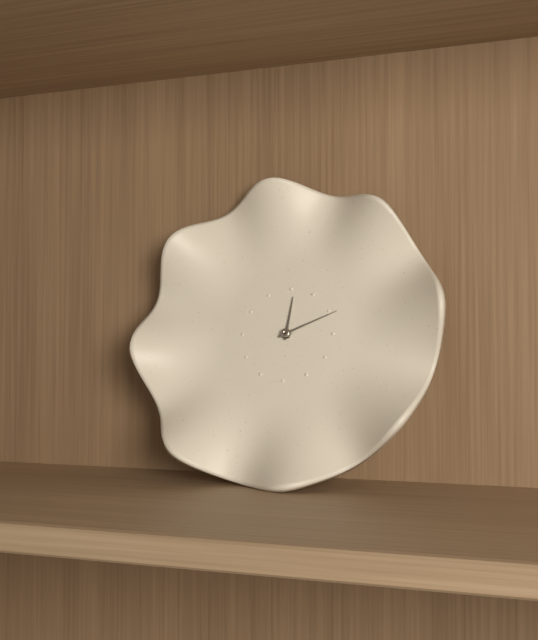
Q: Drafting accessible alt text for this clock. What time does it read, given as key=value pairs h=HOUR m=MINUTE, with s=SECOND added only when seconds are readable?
h=12 m=11
